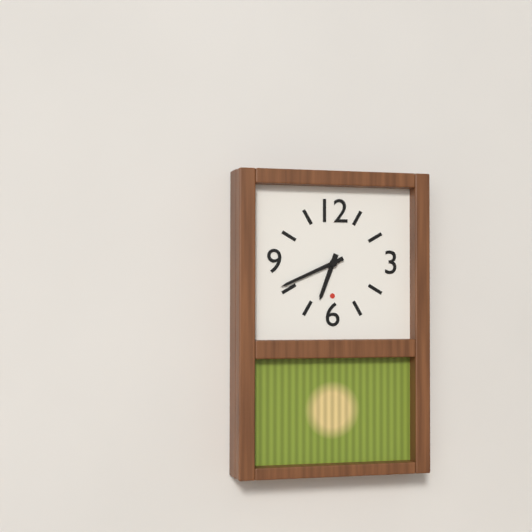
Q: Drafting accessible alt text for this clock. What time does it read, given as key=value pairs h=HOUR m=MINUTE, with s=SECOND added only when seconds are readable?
h=6 m=41
